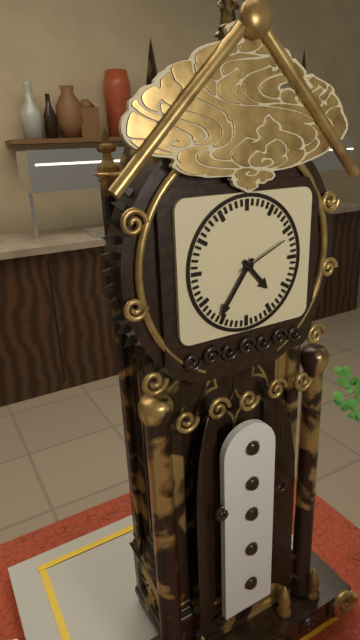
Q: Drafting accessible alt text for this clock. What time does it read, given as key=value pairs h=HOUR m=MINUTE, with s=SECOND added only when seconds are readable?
h=4 m=36
